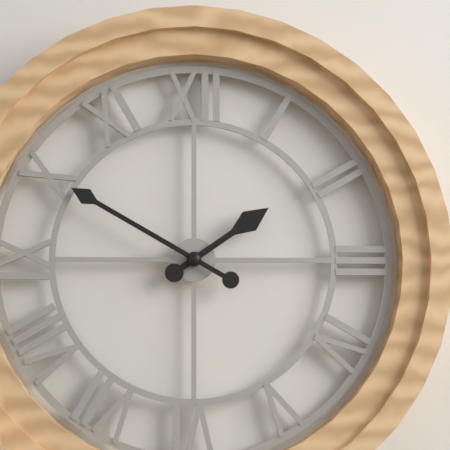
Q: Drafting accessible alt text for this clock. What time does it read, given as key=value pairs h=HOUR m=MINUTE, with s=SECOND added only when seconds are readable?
h=1 m=50
